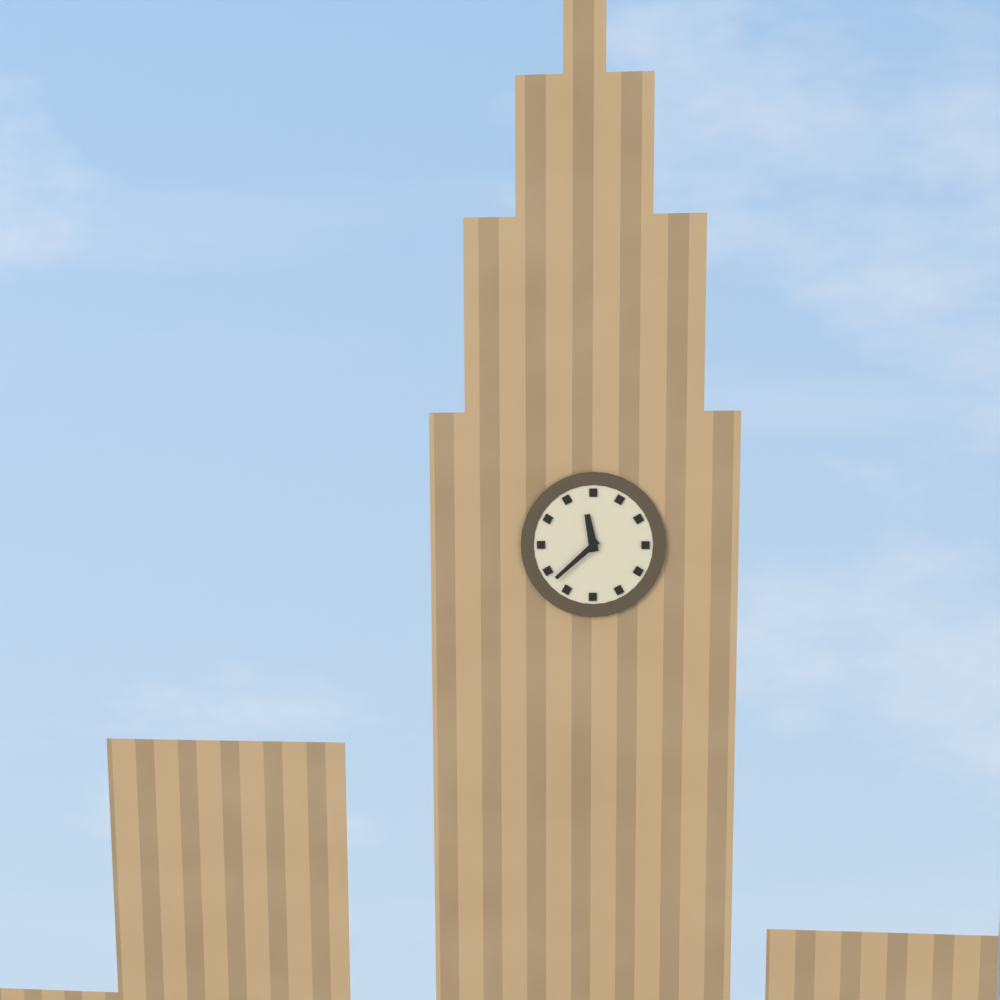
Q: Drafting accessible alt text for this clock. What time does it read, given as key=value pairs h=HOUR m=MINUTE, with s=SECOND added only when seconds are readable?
h=11 m=38
